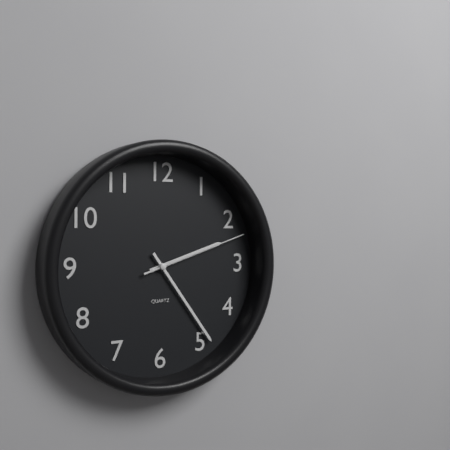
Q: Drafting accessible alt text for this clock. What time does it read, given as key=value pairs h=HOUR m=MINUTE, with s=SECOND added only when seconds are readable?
h=2 m=24 s=12
